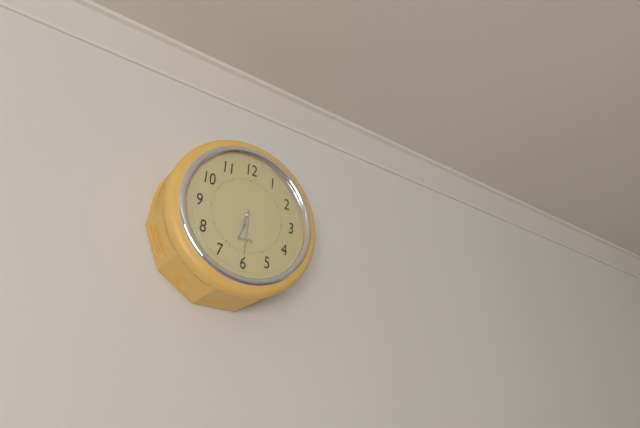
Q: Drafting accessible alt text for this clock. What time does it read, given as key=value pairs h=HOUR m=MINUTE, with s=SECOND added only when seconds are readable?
h=6 m=30
